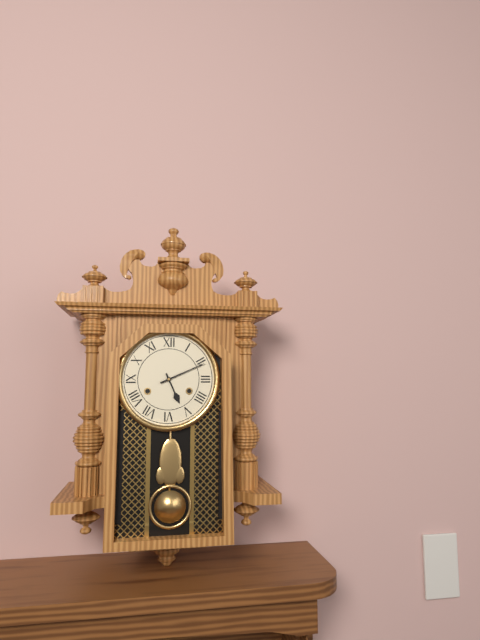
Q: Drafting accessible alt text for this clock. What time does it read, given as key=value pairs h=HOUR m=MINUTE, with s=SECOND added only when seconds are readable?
h=5 m=11
